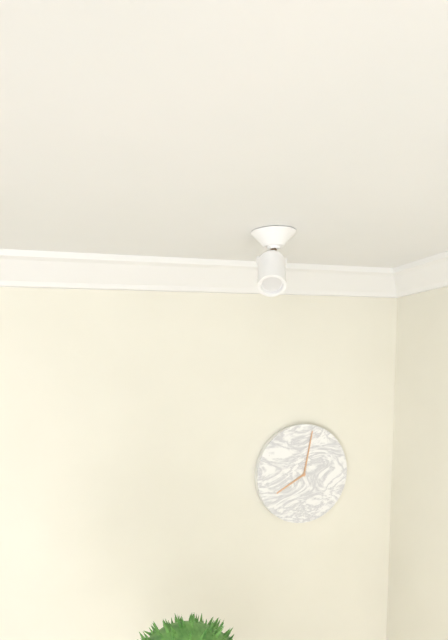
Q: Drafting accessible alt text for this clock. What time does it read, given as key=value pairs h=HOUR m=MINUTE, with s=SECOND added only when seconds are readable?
h=8 m=2
